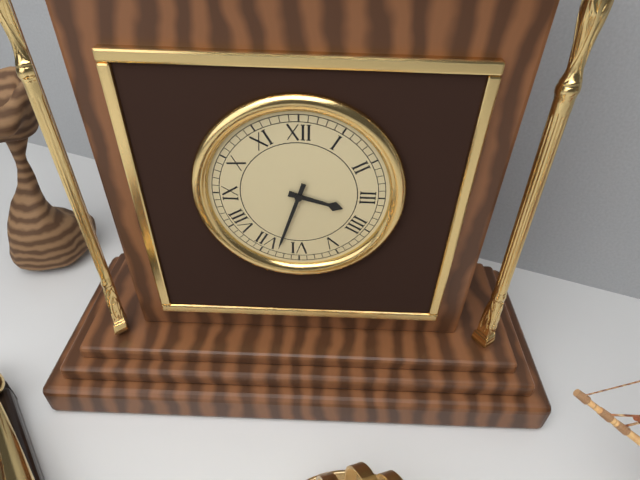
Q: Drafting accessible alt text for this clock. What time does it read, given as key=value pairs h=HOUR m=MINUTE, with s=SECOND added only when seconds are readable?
h=3 m=33
